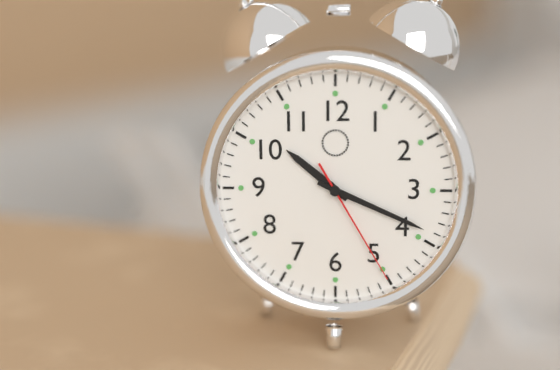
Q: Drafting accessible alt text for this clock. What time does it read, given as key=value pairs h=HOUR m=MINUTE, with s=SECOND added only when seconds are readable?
h=10 m=19 s=25
